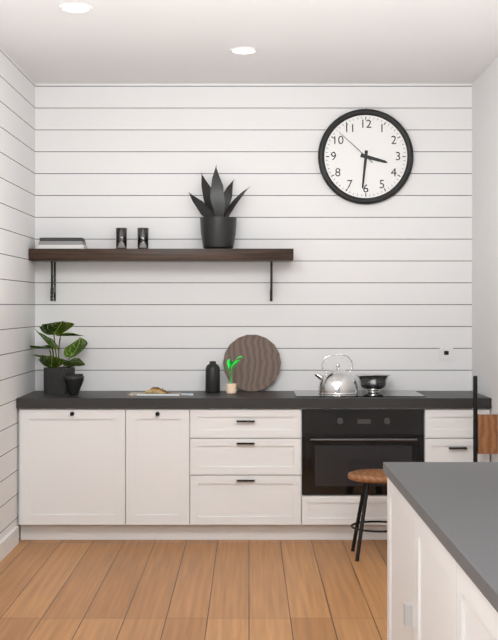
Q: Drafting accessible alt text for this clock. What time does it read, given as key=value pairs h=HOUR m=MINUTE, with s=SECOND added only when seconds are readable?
h=3 m=31
